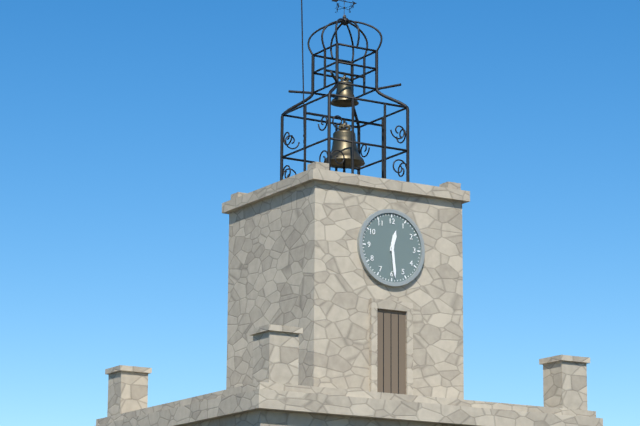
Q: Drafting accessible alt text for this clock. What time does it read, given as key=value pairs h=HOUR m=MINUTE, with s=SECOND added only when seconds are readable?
h=12 m=29
